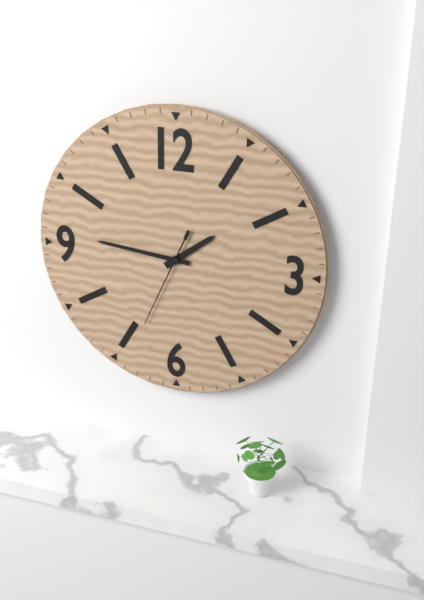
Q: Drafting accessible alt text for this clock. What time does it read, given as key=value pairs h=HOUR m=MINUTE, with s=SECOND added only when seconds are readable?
h=1 m=46 s=34
